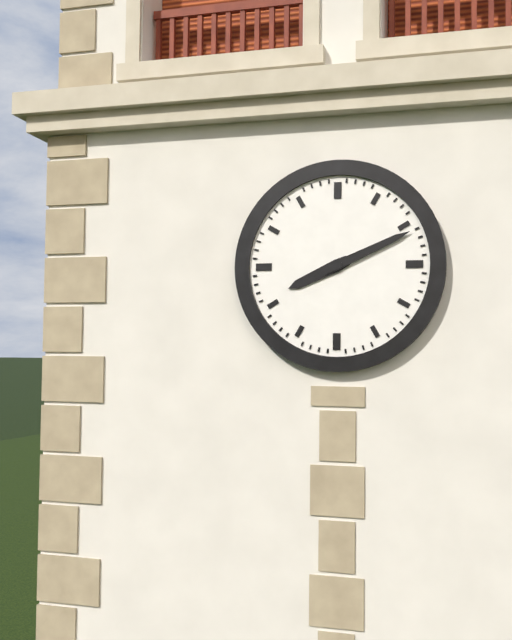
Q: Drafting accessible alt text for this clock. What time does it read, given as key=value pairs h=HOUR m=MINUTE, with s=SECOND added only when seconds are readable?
h=8 m=11
